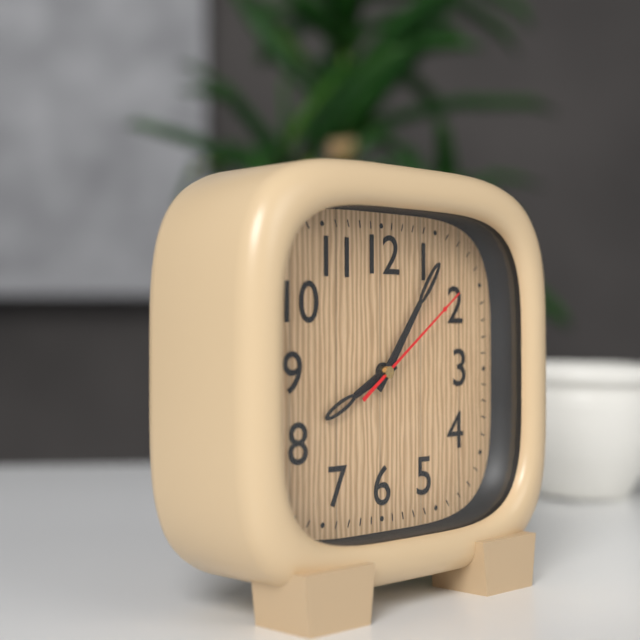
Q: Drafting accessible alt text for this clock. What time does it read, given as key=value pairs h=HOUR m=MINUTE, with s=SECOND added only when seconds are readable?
h=8 m=6 s=9
